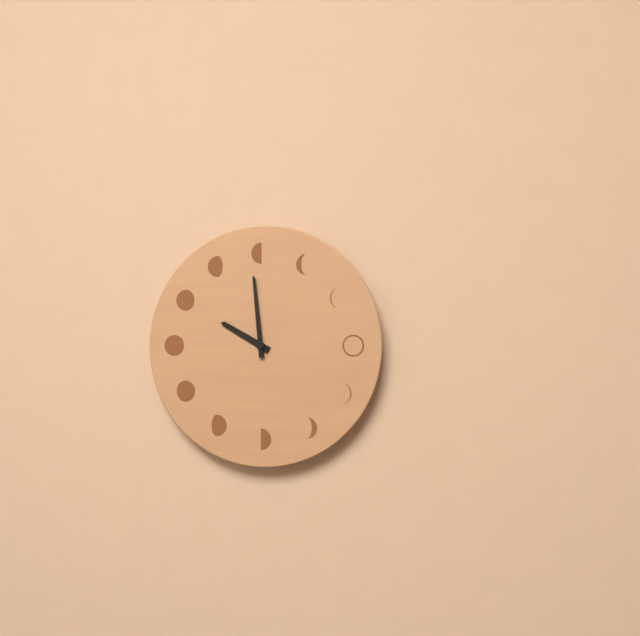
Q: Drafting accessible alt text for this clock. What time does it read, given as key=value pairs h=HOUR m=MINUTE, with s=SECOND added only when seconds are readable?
h=9 m=59
